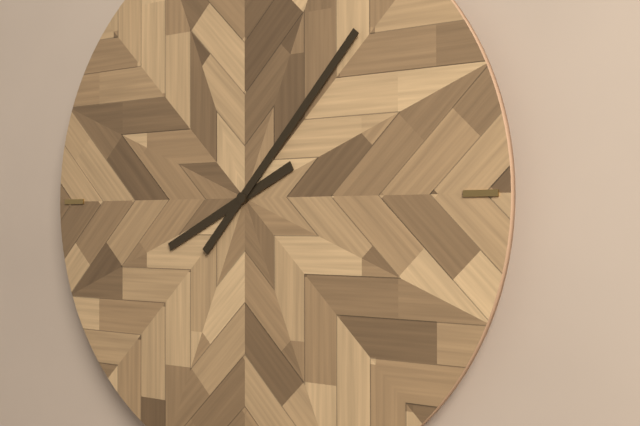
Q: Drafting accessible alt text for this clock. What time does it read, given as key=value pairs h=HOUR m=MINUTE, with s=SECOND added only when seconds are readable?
h=8 m=7
